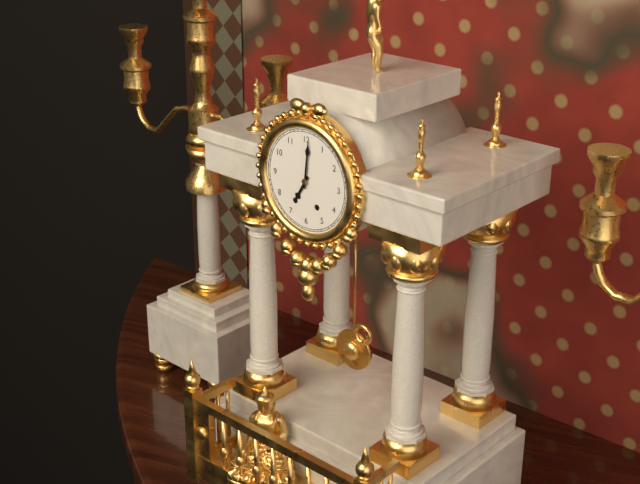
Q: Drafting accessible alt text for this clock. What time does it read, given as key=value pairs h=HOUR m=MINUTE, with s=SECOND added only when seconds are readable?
h=7 m=1
